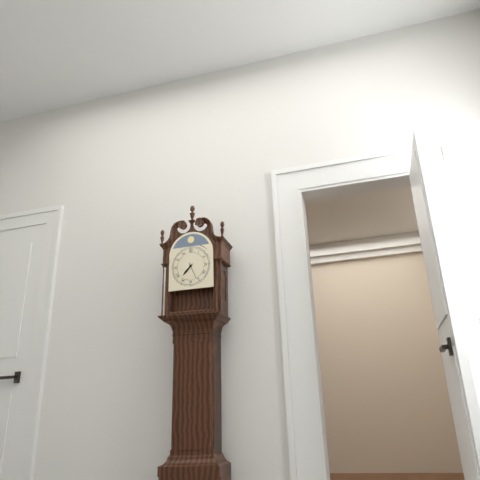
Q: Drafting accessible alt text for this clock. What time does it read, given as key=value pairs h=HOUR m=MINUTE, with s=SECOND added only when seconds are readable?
h=7 m=26
